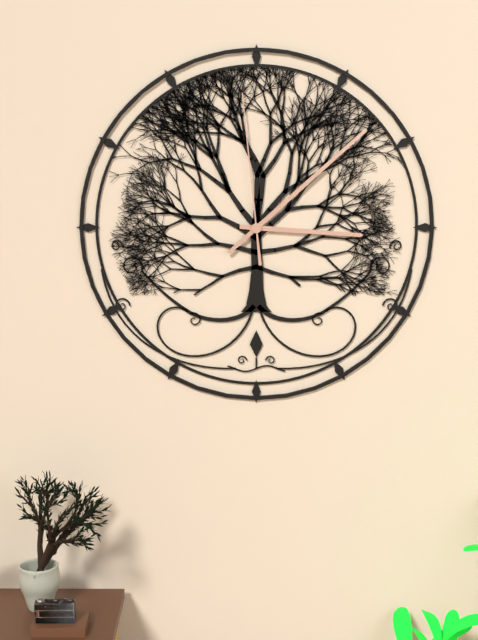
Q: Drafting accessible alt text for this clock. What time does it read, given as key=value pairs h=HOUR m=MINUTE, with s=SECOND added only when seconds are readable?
h=3 m=8 s=59
